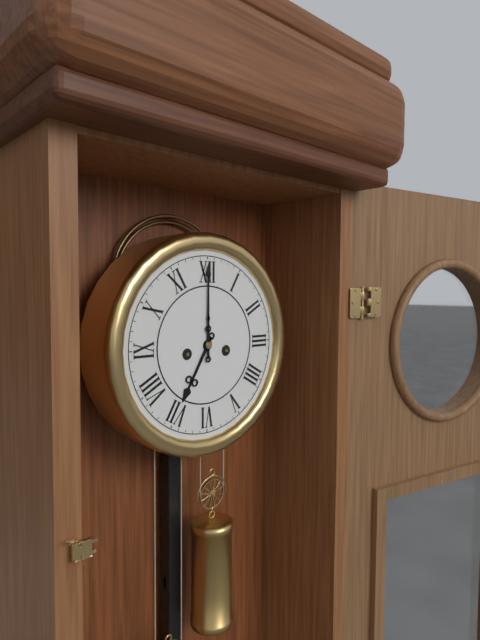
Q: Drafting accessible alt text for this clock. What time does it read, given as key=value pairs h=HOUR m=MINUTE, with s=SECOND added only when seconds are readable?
h=7 m=0
